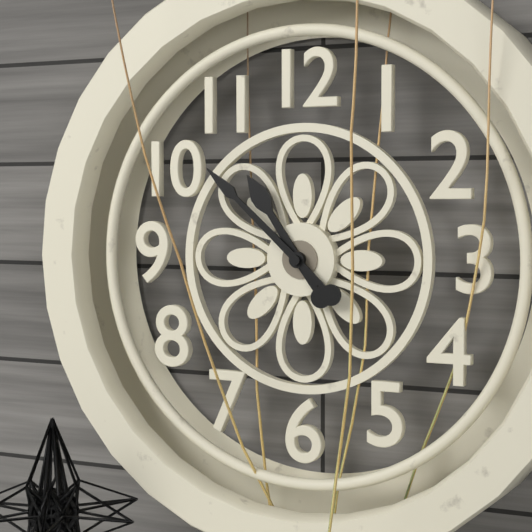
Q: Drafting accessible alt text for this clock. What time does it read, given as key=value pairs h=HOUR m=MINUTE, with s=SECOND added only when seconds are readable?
h=10 m=52
